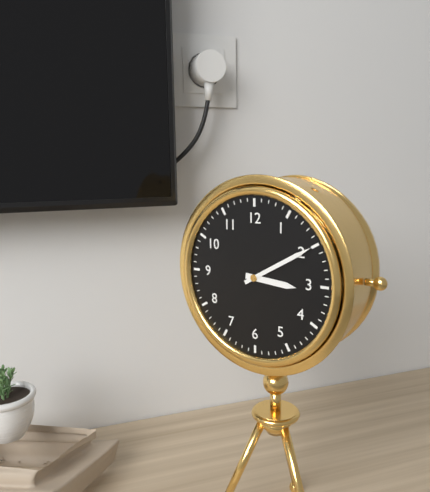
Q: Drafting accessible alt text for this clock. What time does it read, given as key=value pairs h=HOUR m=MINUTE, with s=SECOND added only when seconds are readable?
h=3 m=10
